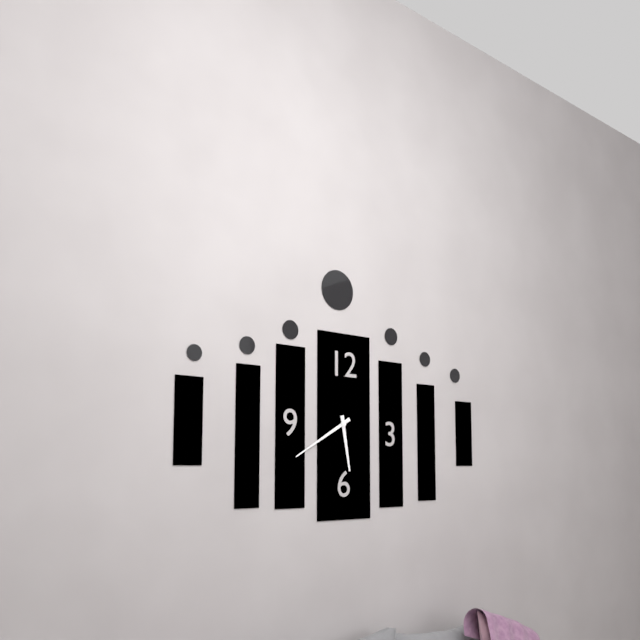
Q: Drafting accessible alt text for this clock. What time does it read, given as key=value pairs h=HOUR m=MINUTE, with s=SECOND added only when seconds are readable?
h=5 m=40
